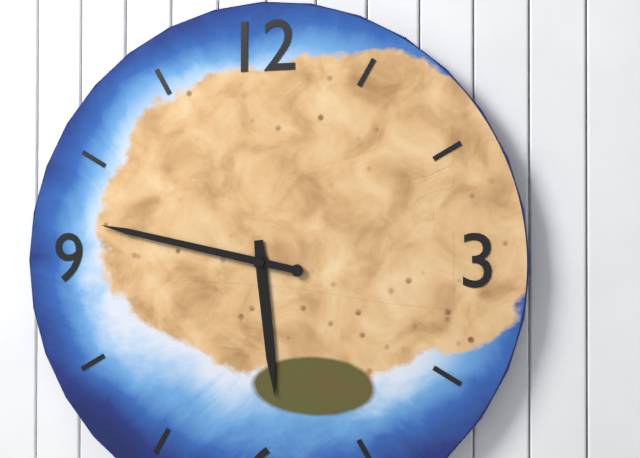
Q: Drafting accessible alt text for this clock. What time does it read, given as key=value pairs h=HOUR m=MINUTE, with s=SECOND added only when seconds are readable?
h=5 m=47
